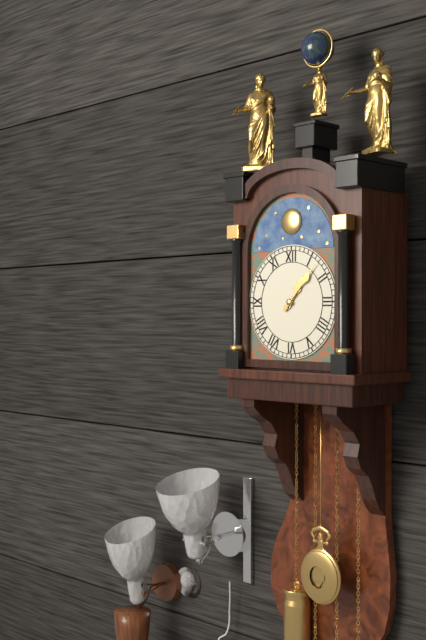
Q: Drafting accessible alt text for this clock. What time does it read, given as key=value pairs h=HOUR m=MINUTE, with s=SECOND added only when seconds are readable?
h=1 m=7
